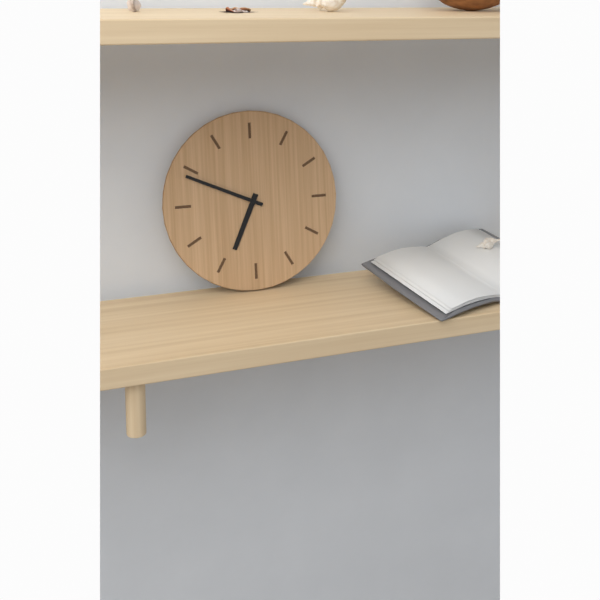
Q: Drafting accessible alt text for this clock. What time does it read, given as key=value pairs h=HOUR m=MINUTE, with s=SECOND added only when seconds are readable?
h=6 m=49
